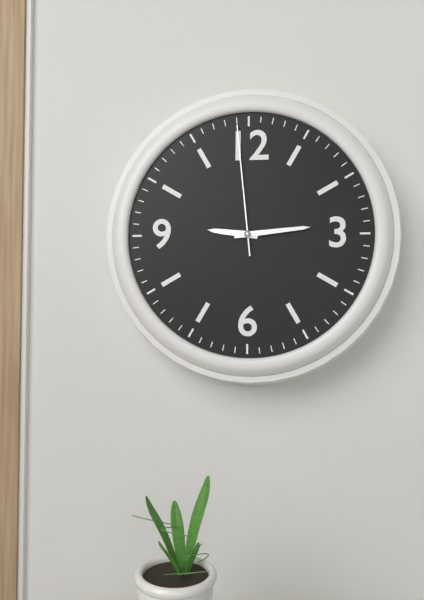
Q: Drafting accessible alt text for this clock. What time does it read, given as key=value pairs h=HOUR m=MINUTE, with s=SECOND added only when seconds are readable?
h=9 m=14 s=59
